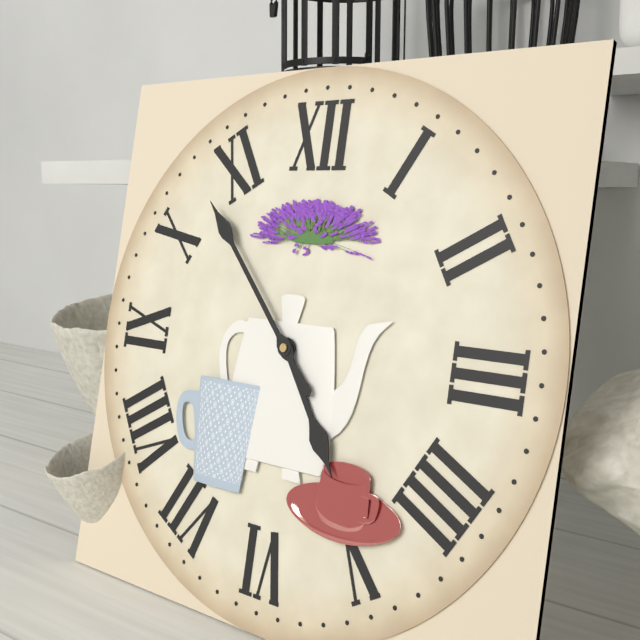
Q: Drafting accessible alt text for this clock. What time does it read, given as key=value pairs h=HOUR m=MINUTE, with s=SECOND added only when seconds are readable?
h=4 m=53
